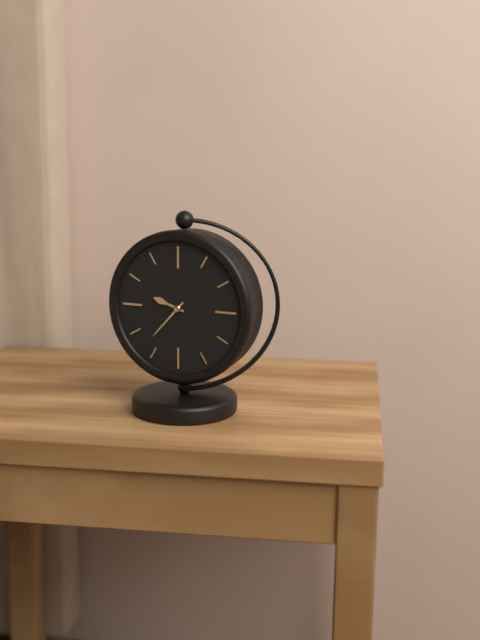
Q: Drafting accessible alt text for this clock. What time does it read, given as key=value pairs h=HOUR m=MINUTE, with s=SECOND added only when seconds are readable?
h=9 m=37
